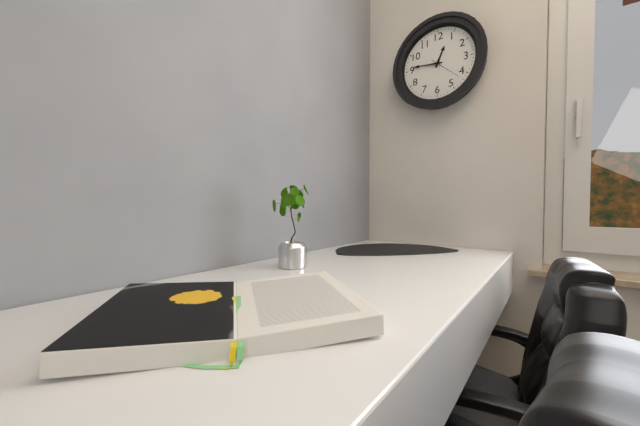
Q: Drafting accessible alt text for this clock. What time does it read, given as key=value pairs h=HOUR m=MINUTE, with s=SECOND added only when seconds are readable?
h=12 m=46
